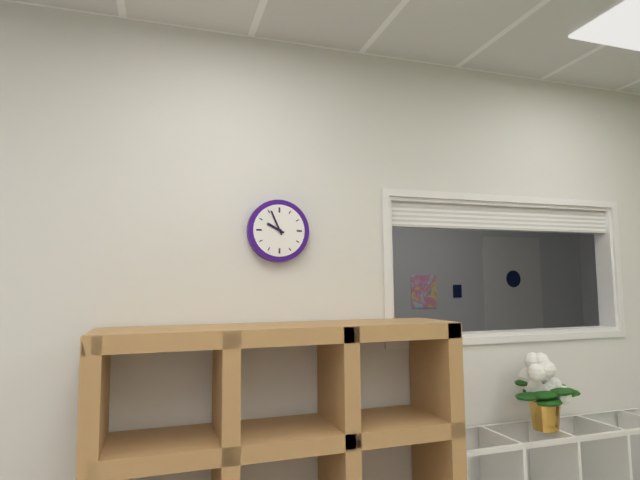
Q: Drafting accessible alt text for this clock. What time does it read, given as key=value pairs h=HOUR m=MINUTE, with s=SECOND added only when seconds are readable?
h=9 m=56
